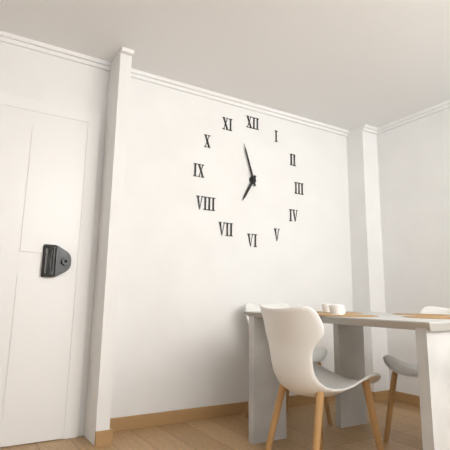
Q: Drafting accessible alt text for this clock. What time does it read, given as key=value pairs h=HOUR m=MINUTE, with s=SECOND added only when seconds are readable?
h=6 m=57
